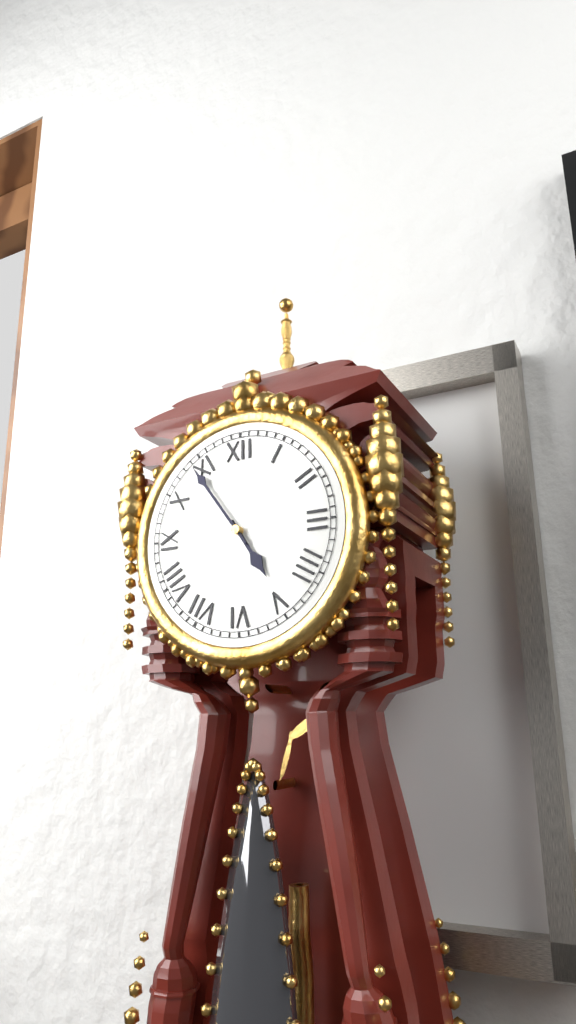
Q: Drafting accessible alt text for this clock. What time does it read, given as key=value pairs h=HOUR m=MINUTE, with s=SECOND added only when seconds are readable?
h=4 m=54
